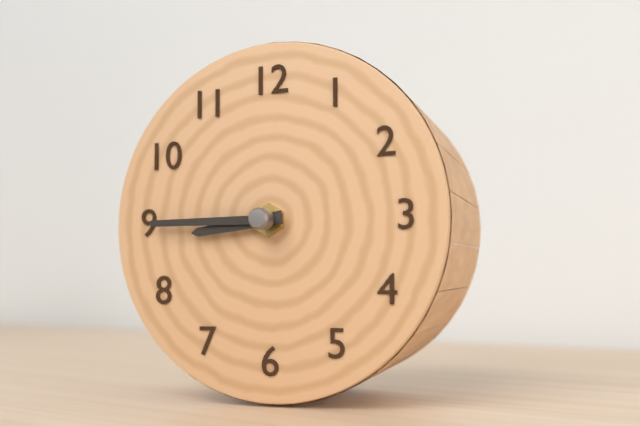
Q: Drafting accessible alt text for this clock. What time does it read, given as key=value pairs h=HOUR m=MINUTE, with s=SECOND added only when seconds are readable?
h=8 m=45
